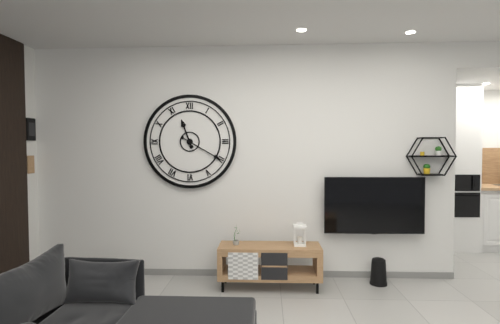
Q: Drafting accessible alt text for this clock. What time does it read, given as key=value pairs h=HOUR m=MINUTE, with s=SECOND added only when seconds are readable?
h=11 m=20
